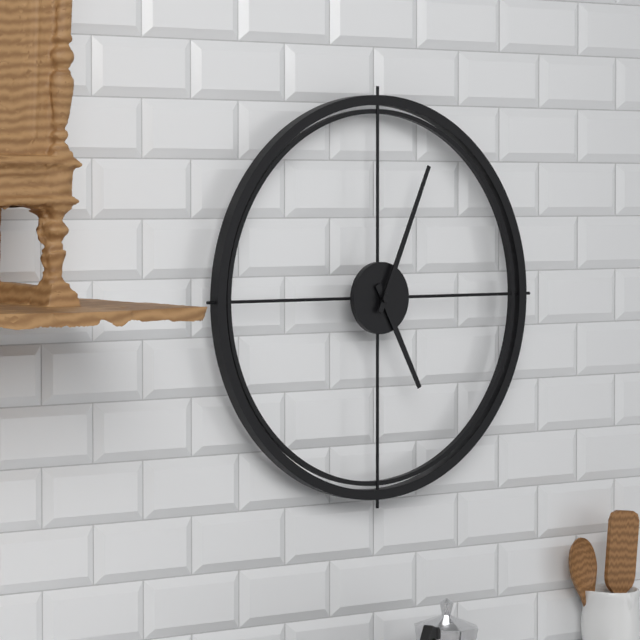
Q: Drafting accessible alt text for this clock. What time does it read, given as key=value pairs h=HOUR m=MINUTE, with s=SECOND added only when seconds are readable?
h=5 m=4
